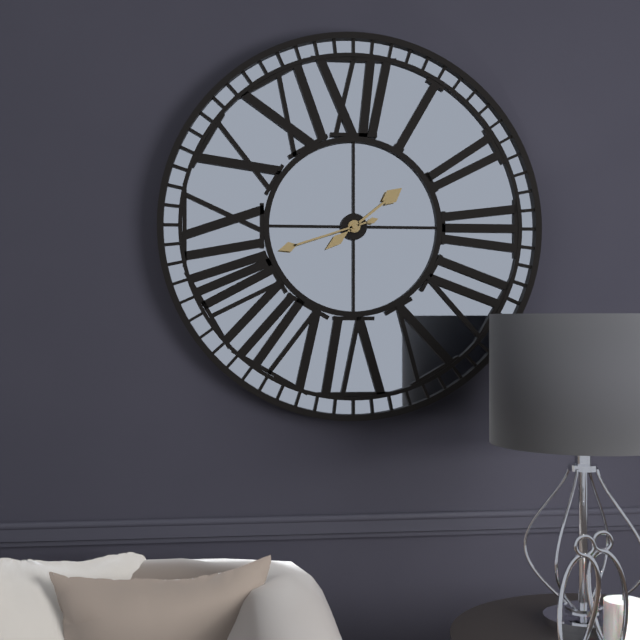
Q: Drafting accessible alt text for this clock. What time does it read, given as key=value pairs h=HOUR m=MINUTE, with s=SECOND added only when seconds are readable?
h=1 m=42
